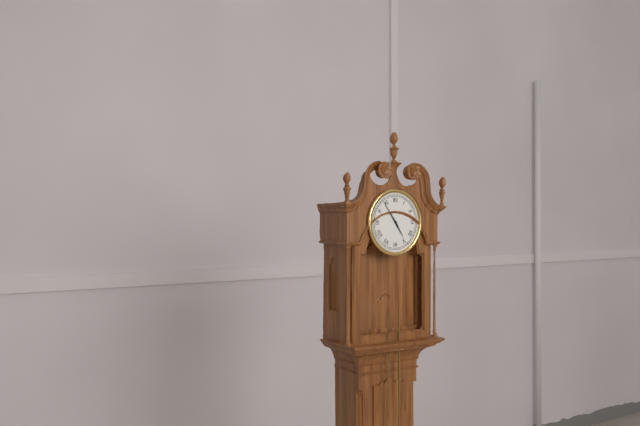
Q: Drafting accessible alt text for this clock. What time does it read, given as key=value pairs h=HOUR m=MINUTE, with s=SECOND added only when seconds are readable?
h=4 m=54
